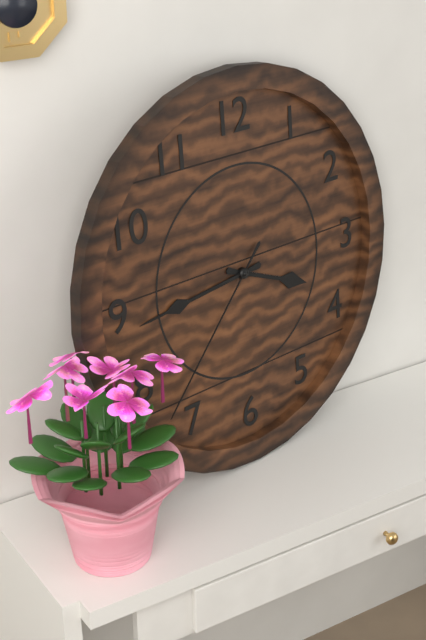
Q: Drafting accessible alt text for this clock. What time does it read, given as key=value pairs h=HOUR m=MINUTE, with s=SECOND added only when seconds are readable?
h=3 m=44 s=37
